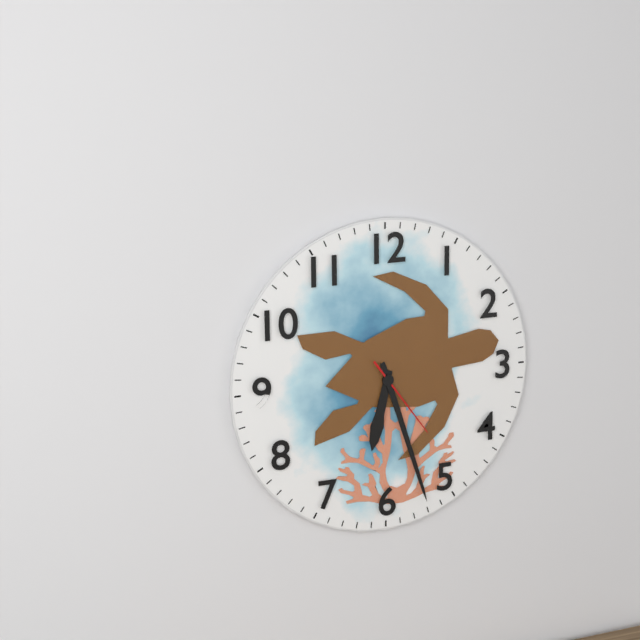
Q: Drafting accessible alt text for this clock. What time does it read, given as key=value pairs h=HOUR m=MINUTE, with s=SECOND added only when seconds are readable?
h=6 m=27 s=24
